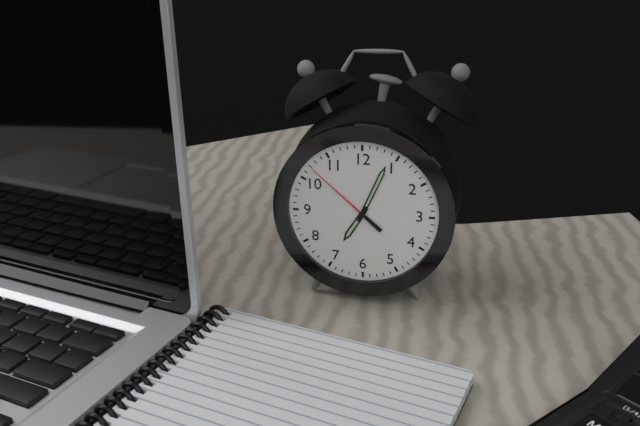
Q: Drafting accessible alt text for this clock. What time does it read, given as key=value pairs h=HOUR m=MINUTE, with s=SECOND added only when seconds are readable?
h=7 m=4 s=52
